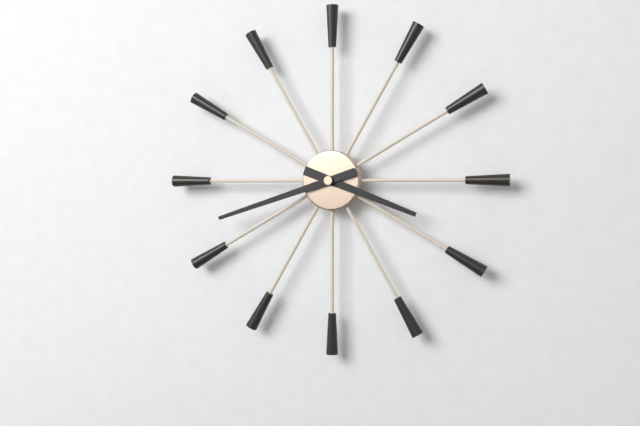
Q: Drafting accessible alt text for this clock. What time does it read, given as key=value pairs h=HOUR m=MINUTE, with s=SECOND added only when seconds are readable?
h=3 m=42
